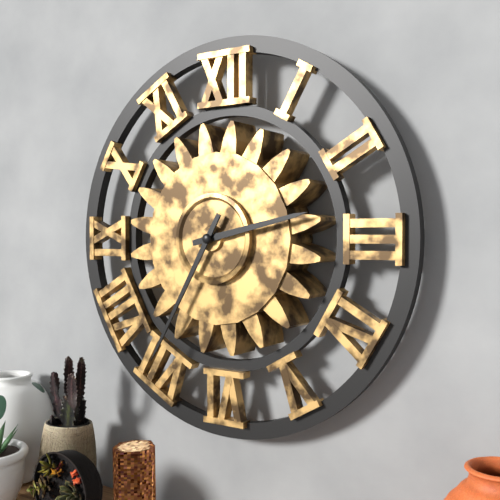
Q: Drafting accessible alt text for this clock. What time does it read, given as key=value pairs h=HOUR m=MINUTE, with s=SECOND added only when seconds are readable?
h=2 m=35
